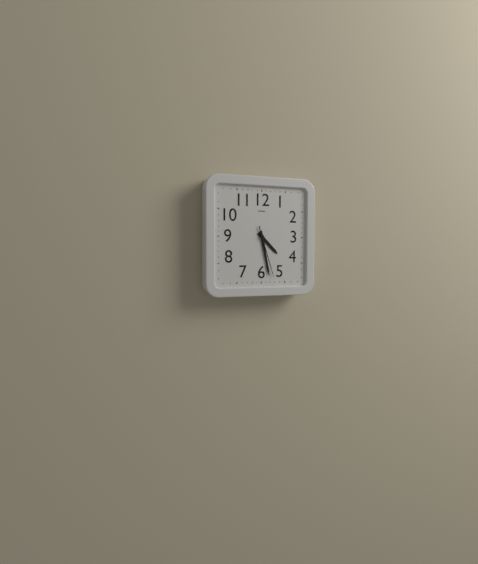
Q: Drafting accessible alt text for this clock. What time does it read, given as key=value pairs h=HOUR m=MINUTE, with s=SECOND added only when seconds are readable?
h=4 m=28 s=27
